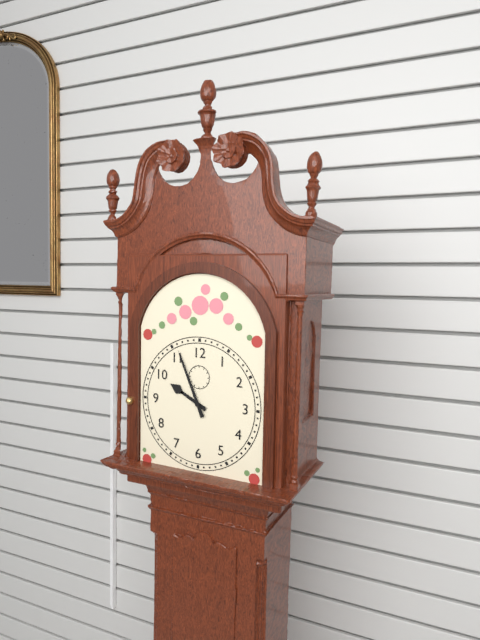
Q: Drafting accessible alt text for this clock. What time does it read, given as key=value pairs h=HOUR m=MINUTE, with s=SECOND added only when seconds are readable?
h=9 m=56
